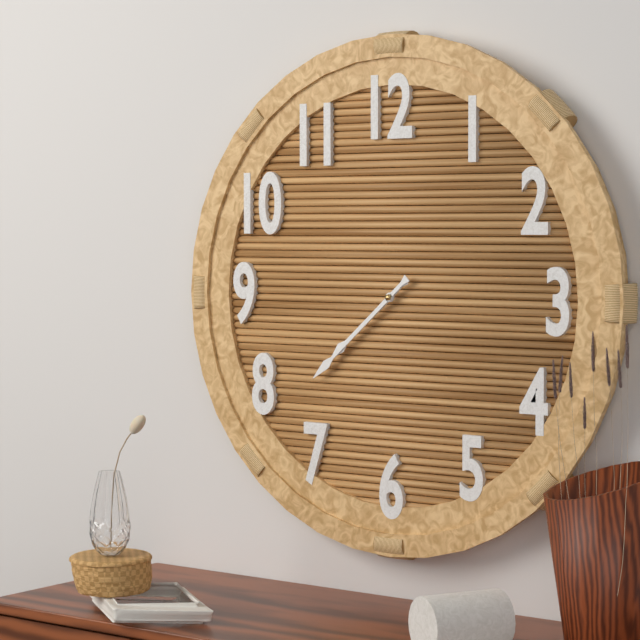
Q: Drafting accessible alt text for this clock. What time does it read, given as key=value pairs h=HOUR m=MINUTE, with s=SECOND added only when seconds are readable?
h=7 m=38
